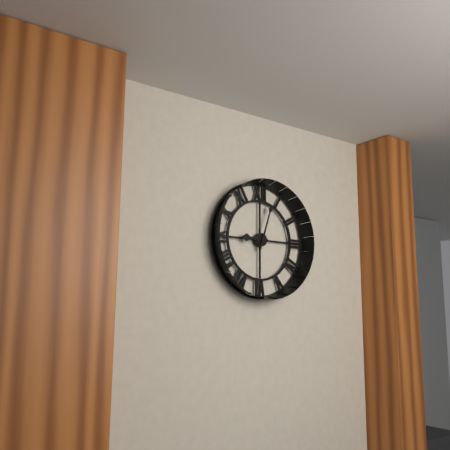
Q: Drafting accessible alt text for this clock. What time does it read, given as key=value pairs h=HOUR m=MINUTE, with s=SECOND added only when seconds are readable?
h=9 m=3
